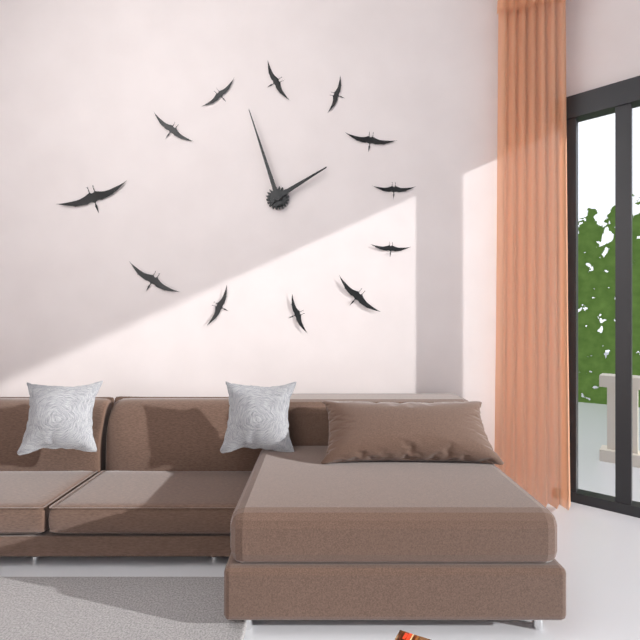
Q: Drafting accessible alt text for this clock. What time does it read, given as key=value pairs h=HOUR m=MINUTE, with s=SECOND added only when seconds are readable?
h=1 m=57
